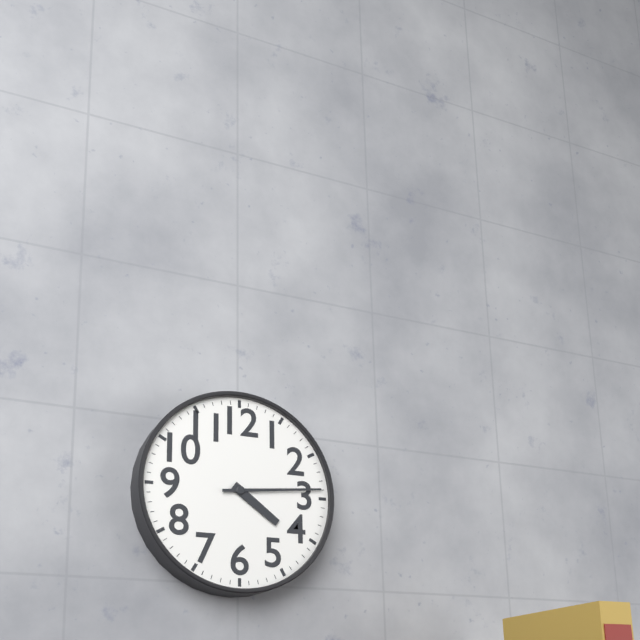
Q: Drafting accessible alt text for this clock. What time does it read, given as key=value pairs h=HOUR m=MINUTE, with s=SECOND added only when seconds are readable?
h=4 m=14
